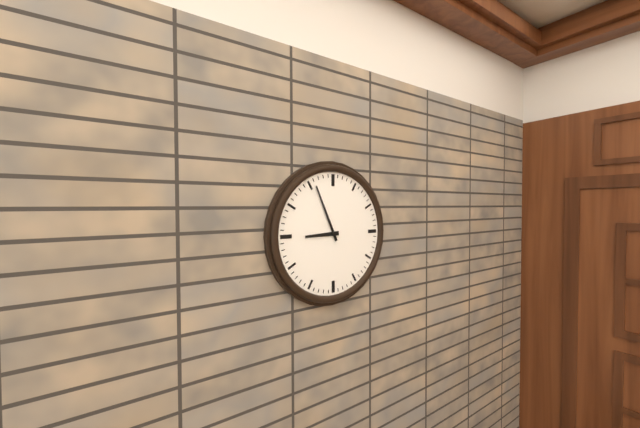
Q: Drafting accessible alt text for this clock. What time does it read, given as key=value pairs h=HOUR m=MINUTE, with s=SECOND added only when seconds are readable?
h=8 m=56
